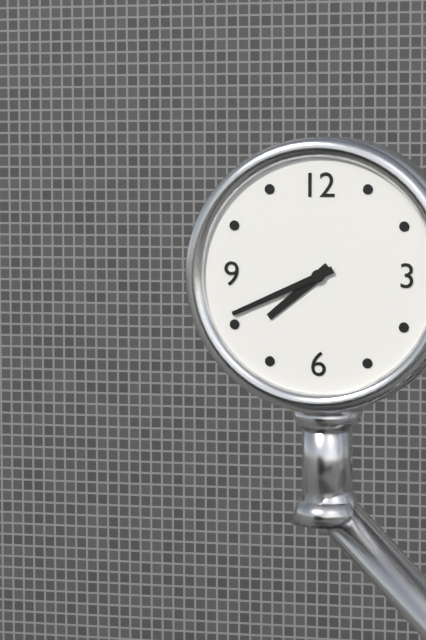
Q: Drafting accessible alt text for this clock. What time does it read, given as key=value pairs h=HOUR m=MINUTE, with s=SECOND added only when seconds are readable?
h=7 m=41
